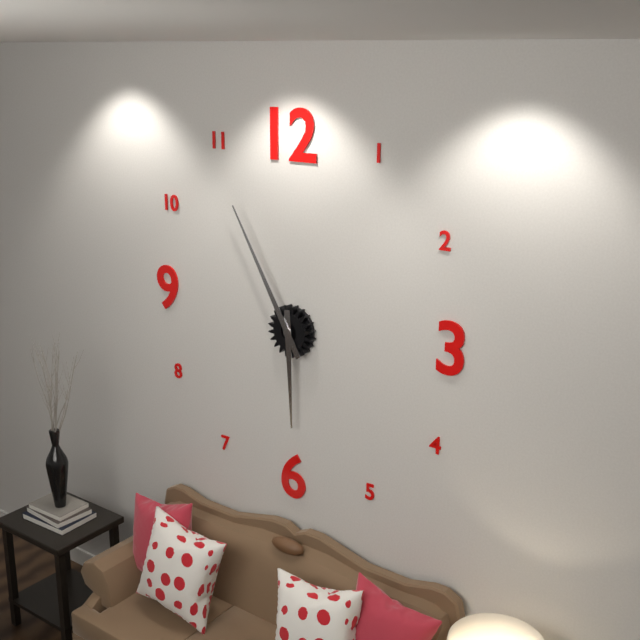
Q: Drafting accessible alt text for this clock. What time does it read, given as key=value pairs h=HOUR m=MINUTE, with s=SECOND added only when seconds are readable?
h=5 m=55
